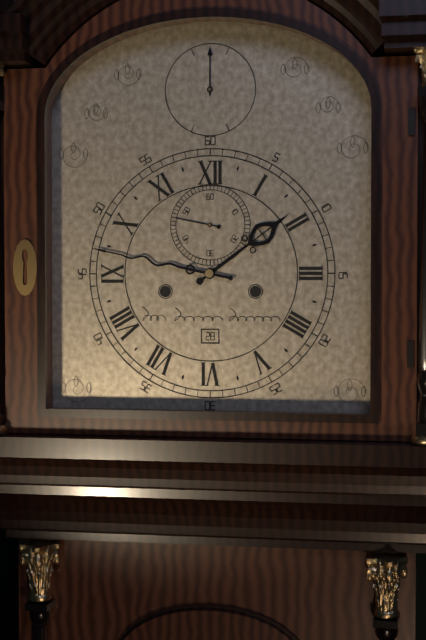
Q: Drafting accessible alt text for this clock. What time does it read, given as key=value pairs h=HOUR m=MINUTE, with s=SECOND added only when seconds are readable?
h=1 m=47
